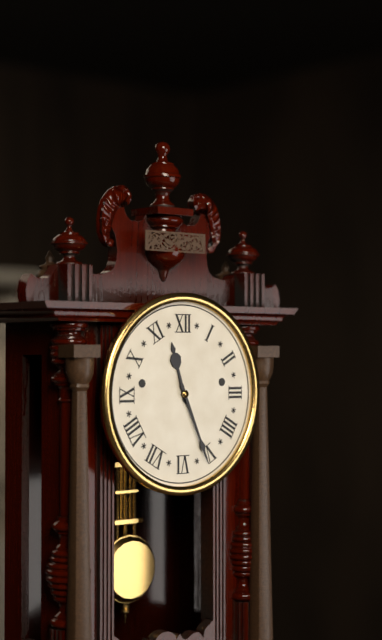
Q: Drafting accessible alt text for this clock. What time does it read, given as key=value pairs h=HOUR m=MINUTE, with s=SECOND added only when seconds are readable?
h=11 m=26
